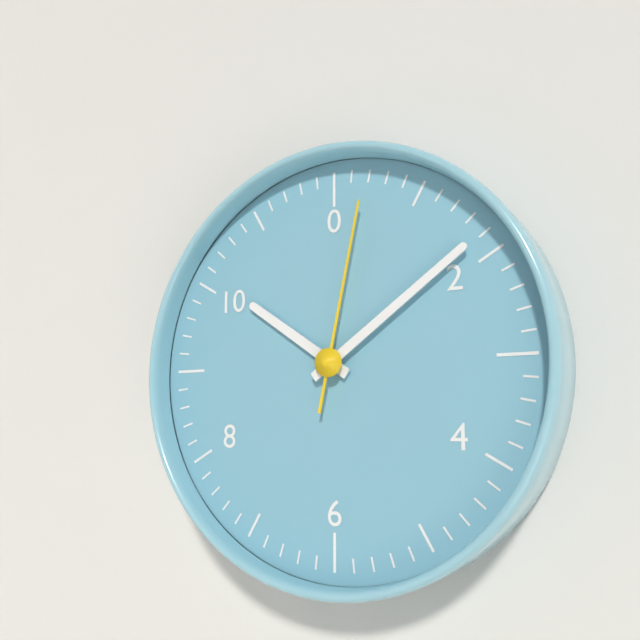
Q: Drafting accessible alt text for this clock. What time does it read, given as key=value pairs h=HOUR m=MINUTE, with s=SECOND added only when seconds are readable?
h=10 m=9 s=2
